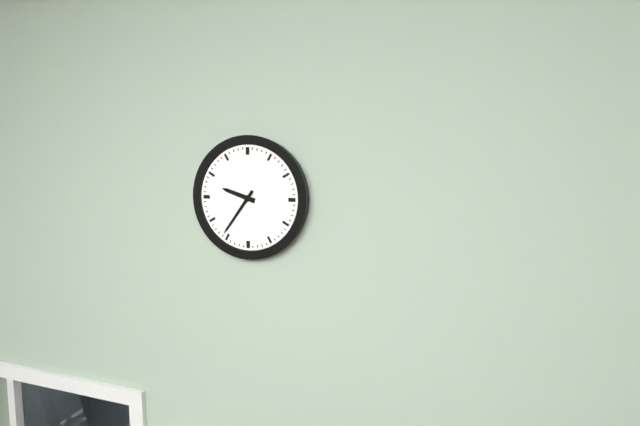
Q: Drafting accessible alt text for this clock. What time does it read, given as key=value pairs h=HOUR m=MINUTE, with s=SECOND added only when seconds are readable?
h=9 m=36
